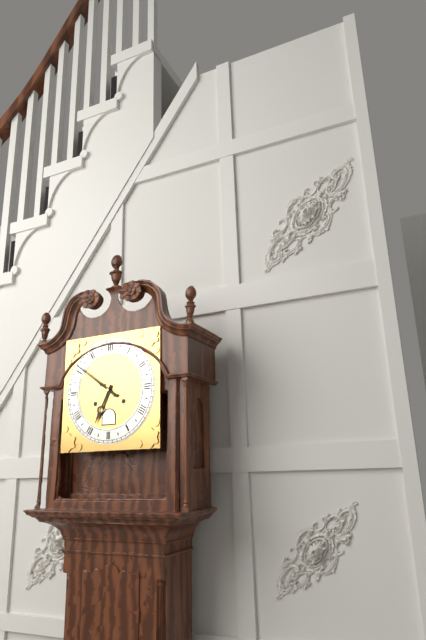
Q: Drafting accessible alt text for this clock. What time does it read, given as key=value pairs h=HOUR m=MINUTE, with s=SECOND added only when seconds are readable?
h=6 m=51
